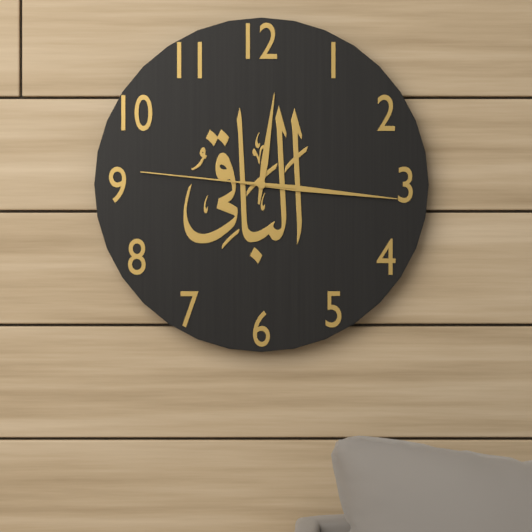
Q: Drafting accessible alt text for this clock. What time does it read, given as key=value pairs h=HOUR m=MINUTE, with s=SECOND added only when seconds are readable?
h=12 m=16 s=46
